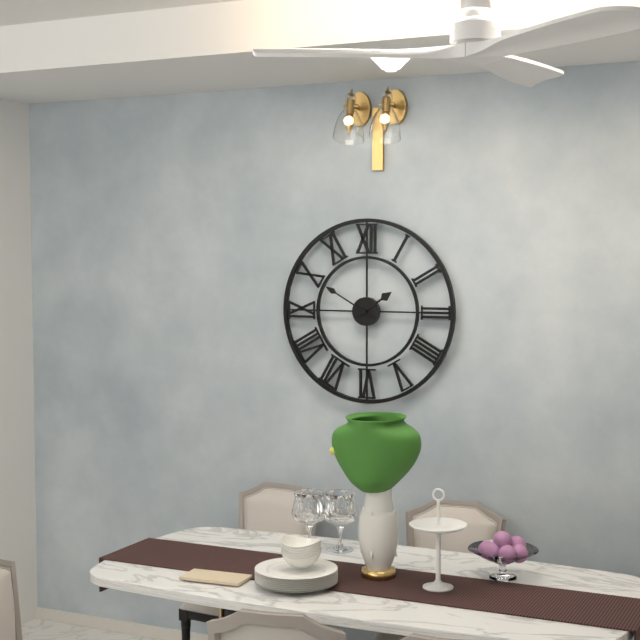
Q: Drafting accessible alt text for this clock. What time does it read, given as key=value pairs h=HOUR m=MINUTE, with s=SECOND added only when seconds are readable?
h=1 m=50
